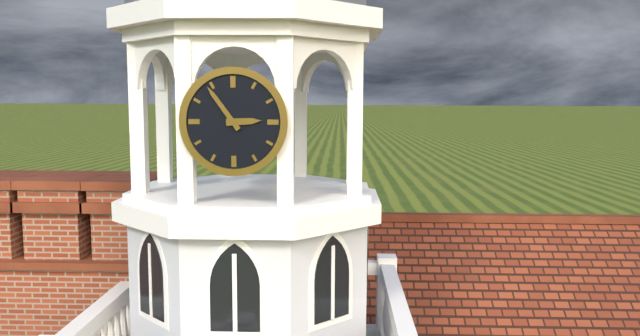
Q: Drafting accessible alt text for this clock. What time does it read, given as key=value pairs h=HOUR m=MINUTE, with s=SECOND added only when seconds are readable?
h=2 m=54
